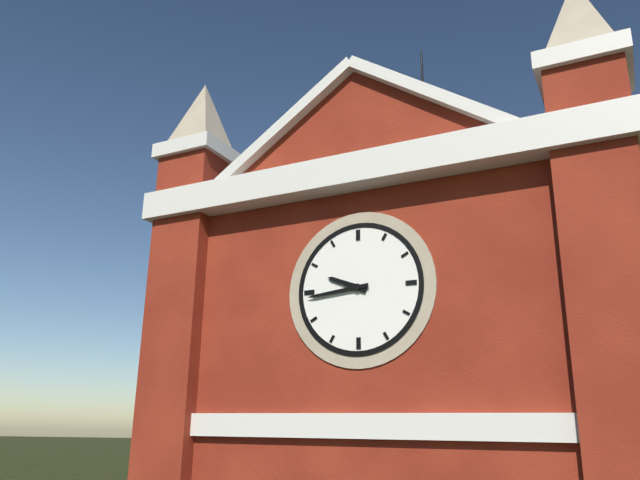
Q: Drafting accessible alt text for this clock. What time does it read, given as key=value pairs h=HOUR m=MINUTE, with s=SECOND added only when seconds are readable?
h=9 m=44
